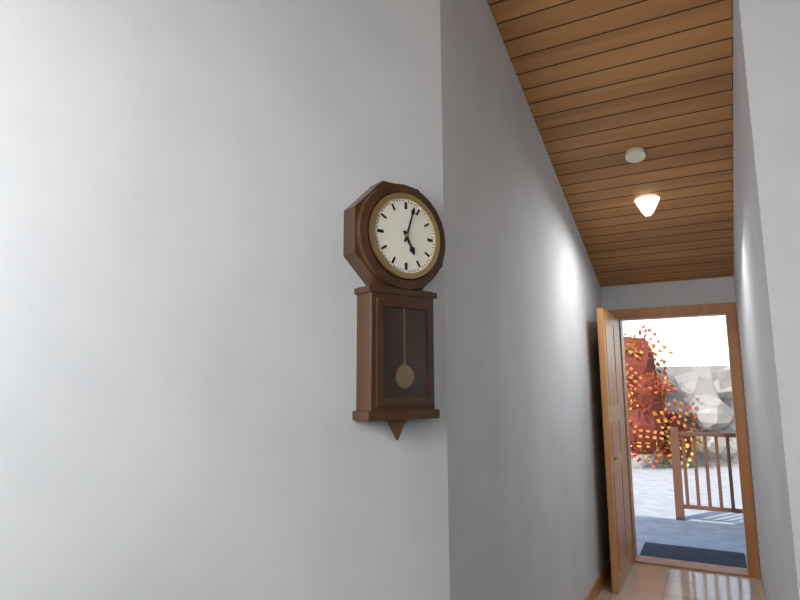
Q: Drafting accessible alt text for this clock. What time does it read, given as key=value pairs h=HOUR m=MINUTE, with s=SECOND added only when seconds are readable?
h=5 m=3
